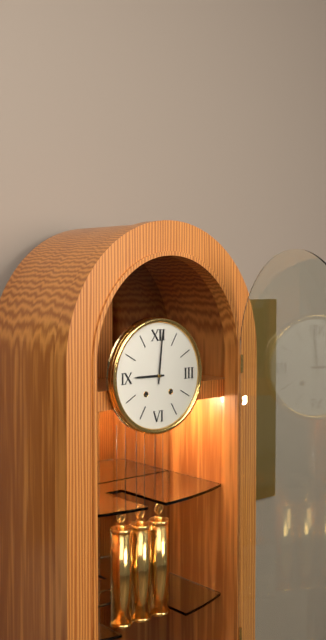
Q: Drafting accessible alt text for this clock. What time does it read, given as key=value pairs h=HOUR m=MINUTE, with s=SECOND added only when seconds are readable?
h=9 m=1
